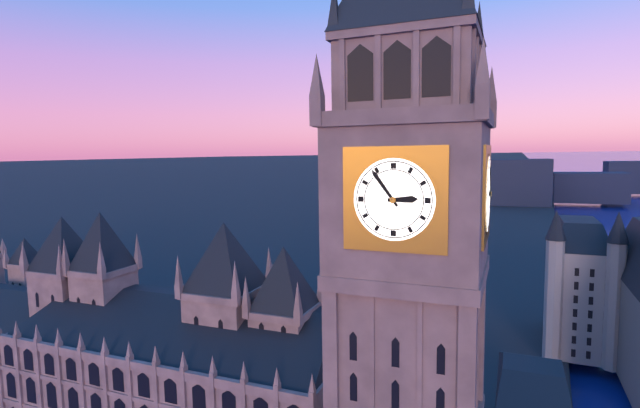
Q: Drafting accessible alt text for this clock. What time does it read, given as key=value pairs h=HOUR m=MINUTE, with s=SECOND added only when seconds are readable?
h=2 m=54
